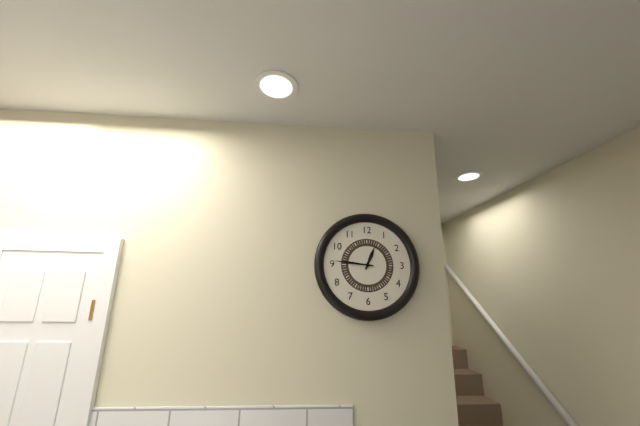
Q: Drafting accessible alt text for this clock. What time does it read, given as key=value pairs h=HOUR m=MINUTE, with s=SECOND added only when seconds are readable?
h=12 m=46
